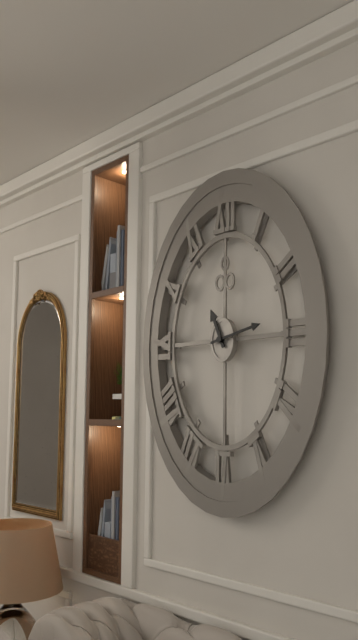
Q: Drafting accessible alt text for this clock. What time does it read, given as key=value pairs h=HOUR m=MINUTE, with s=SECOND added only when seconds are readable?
h=11 m=13
